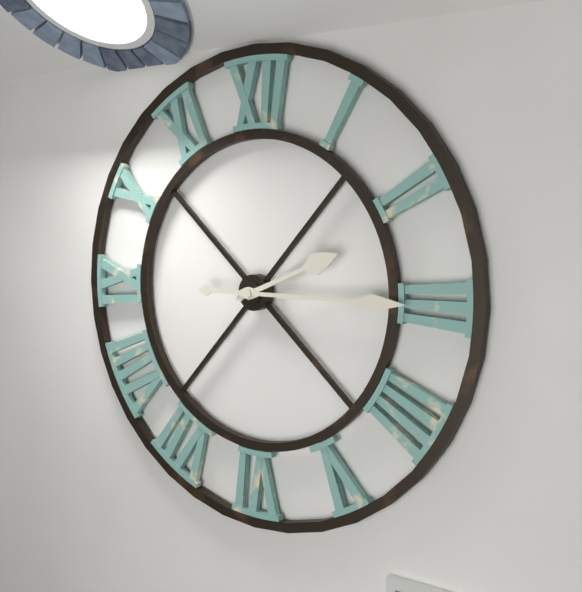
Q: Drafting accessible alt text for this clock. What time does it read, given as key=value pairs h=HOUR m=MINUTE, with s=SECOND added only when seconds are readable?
h=2 m=15
